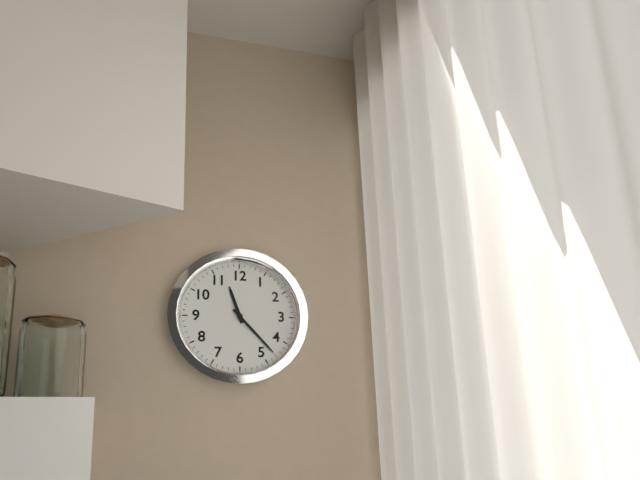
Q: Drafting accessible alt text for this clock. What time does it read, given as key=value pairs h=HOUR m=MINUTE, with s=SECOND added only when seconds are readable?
h=11 m=23
